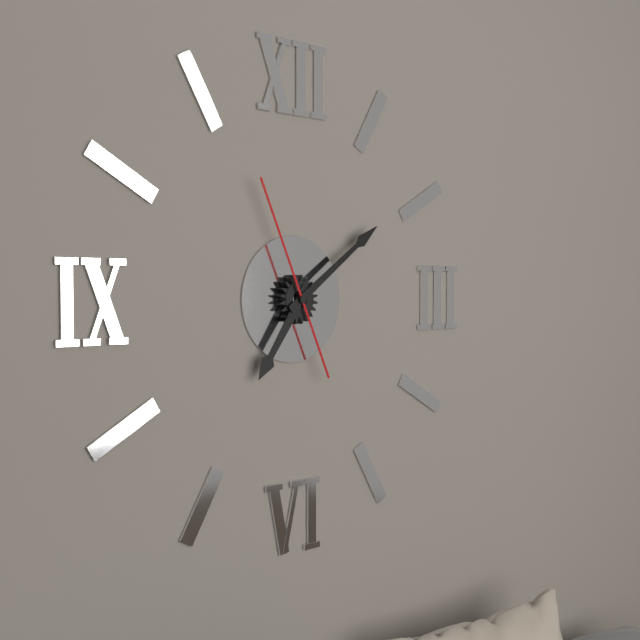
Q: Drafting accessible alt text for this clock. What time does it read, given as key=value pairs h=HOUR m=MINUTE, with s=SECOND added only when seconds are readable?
h=7 m=9 s=56
